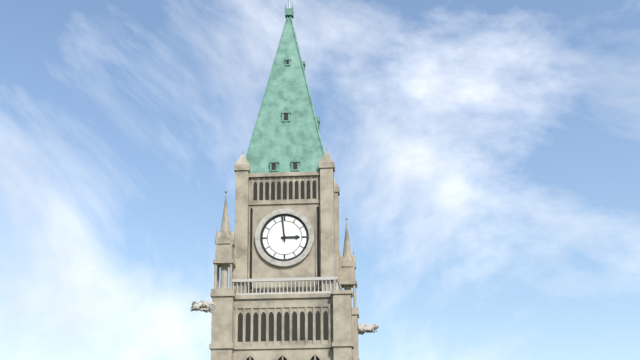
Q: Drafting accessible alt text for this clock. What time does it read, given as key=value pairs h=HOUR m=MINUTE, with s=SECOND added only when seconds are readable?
h=2 m=59
